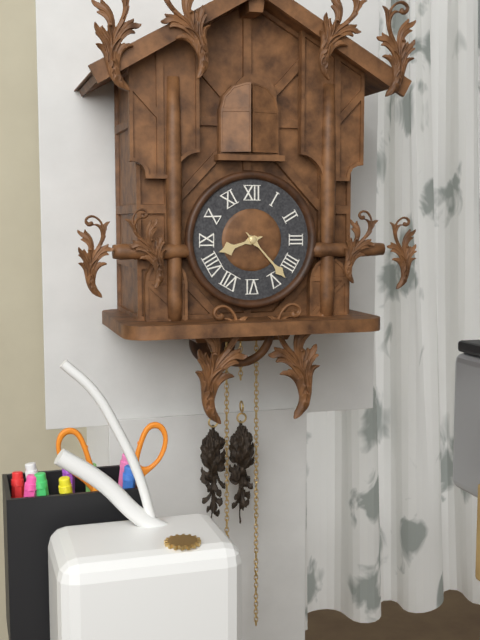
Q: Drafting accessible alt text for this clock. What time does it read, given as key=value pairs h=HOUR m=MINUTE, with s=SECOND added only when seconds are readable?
h=8 m=23
